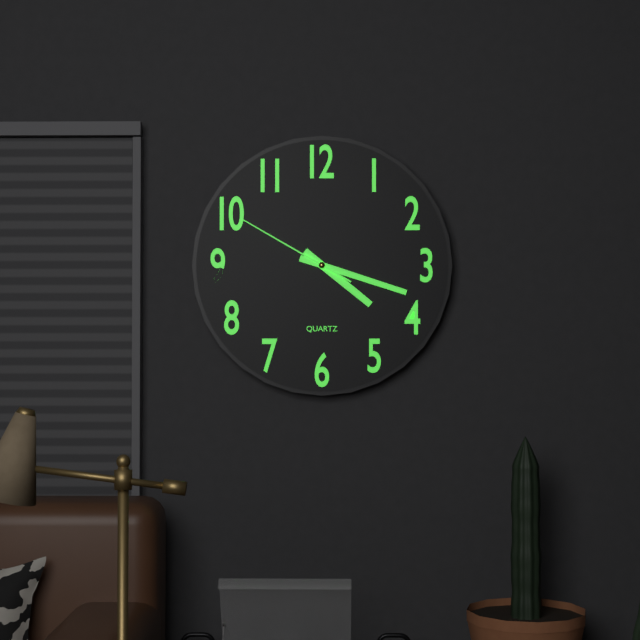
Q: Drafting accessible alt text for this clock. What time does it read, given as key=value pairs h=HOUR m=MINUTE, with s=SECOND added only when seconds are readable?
h=4 m=18 s=50
